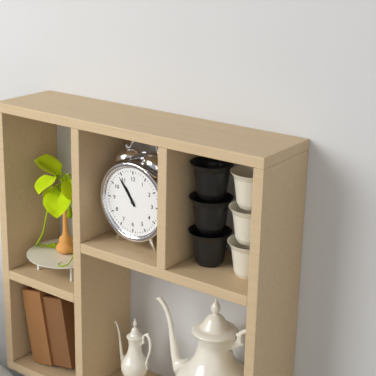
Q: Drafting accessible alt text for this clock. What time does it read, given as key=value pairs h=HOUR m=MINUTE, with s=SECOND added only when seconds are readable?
h=10 m=54
